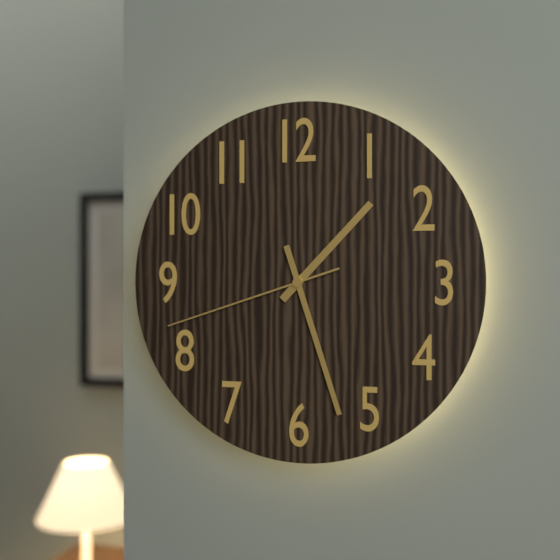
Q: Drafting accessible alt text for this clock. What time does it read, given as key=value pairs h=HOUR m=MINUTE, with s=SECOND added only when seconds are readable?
h=1 m=27 s=42
